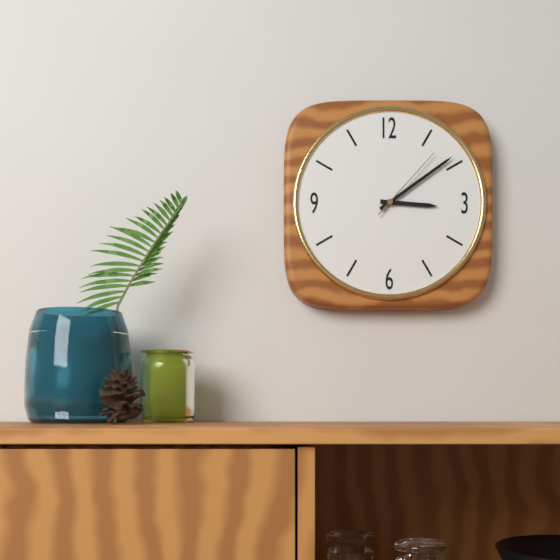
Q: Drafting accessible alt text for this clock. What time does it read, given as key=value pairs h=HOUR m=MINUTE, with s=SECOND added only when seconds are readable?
h=3 m=9 s=7
